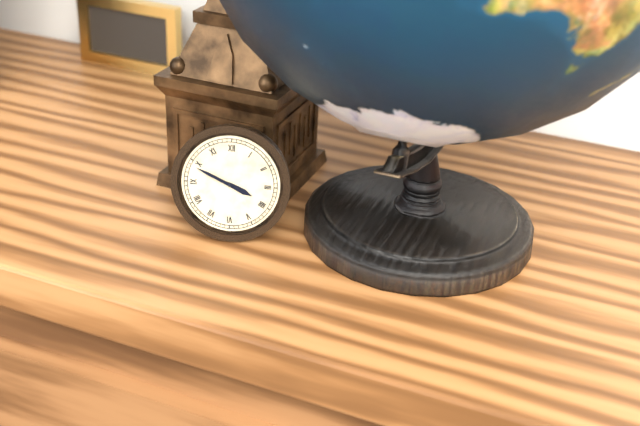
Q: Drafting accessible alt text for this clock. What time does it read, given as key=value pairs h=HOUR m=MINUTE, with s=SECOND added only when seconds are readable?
h=3 m=49
